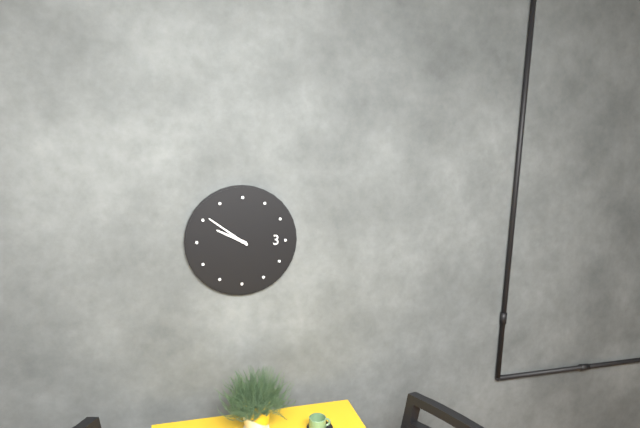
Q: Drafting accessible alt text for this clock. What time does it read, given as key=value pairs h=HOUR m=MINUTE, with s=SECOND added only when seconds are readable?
h=9 m=51
